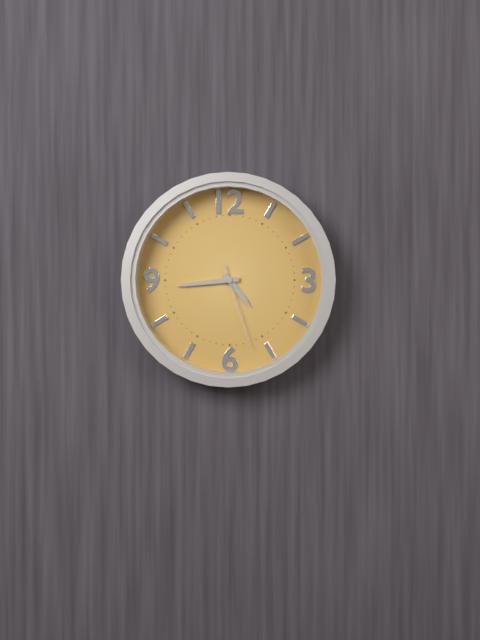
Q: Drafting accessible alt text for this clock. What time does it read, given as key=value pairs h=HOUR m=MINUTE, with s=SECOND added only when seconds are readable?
h=4 m=44 s=27
